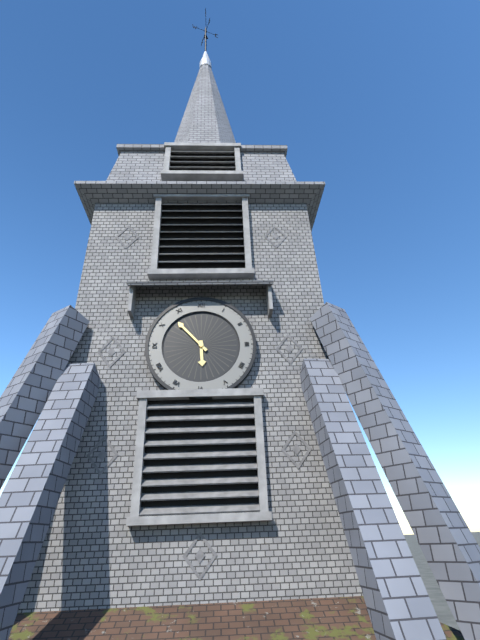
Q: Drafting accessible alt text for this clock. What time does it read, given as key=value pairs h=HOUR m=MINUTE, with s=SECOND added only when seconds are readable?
h=5 m=53
